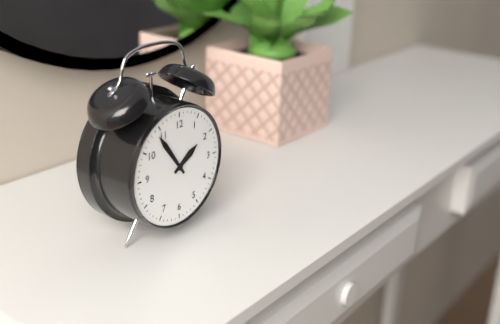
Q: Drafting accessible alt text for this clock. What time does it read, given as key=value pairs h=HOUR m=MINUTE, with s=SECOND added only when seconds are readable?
h=1 m=54
